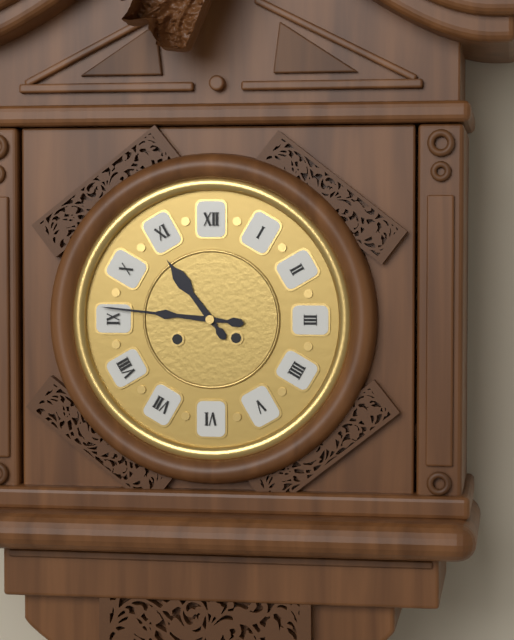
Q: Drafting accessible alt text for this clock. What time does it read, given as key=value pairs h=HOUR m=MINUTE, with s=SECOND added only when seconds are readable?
h=10 m=46
